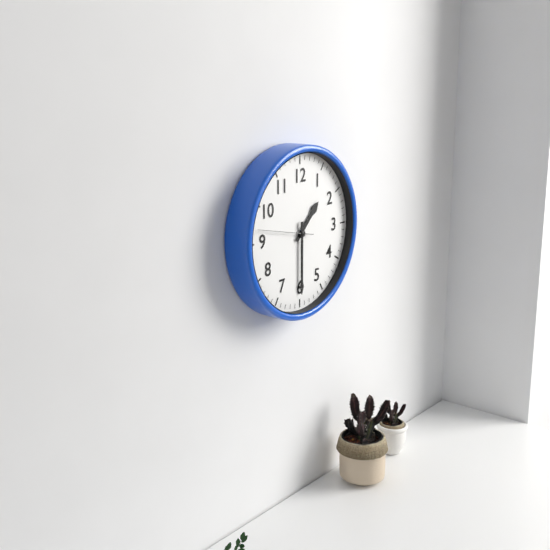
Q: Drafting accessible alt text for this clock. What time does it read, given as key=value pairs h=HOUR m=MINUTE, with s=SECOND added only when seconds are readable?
h=1 m=30 s=47
